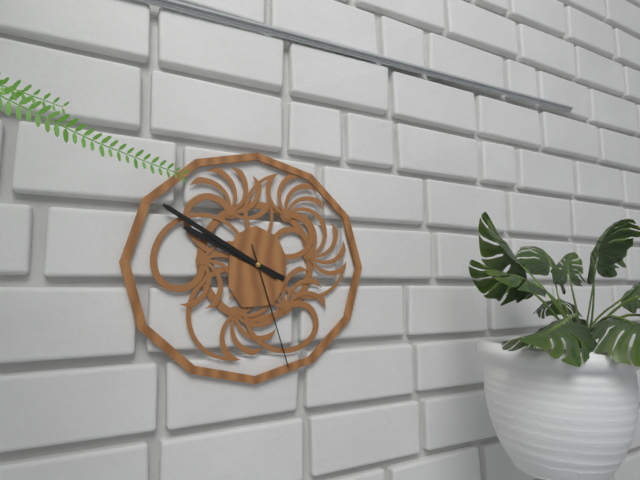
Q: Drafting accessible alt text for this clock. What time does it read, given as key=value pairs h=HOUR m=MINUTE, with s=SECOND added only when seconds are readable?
h=9 m=50 s=27
